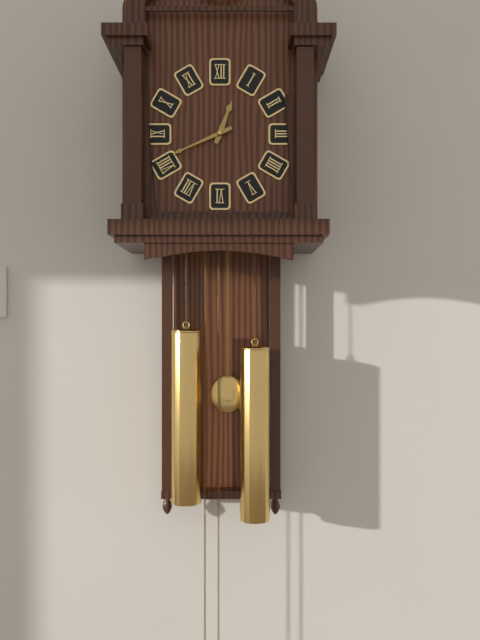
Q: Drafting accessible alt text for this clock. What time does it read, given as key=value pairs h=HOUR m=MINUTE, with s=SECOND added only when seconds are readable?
h=12 m=41
